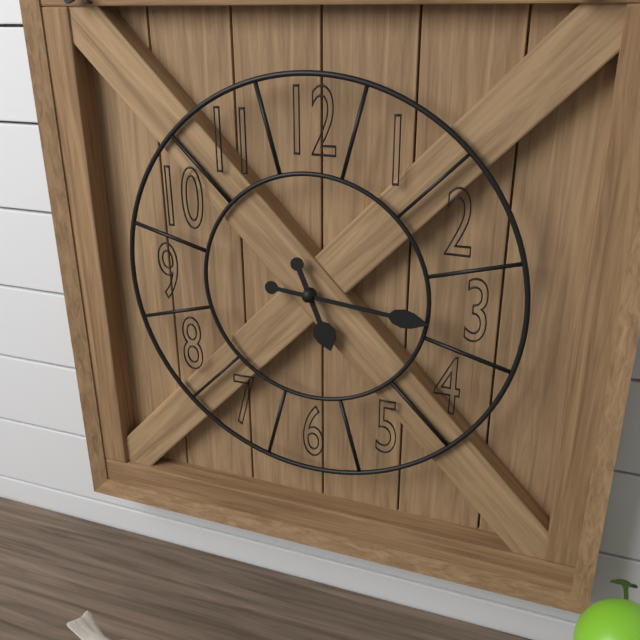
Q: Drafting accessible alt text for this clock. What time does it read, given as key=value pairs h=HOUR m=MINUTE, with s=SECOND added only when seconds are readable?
h=5 m=16
